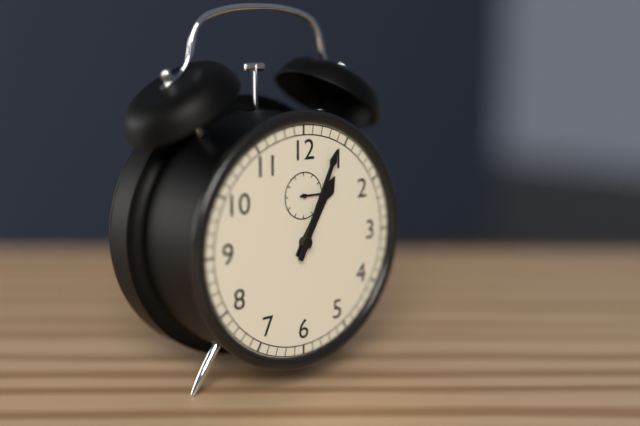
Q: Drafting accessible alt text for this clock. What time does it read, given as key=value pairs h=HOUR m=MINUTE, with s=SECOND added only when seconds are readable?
h=1 m=4
